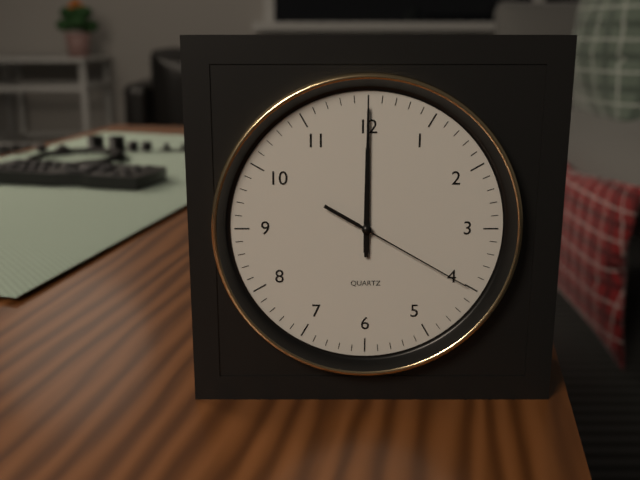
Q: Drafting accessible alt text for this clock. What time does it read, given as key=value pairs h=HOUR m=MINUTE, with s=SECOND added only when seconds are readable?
h=12 m=0 s=20
